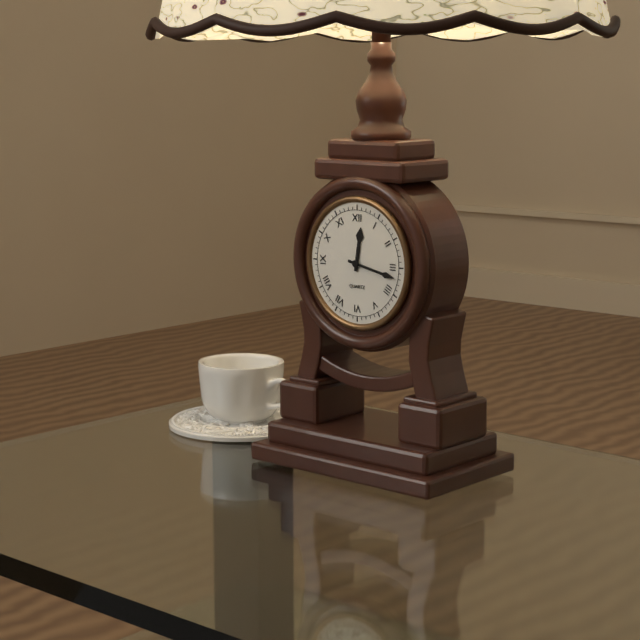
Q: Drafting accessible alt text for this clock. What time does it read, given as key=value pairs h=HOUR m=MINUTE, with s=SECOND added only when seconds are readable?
h=12 m=17
